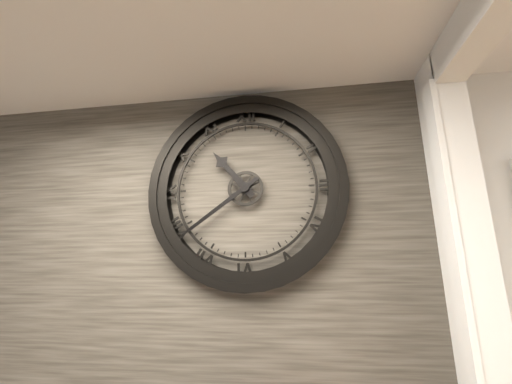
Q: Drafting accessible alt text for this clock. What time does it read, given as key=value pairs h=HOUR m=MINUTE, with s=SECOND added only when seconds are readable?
h=10 m=39
